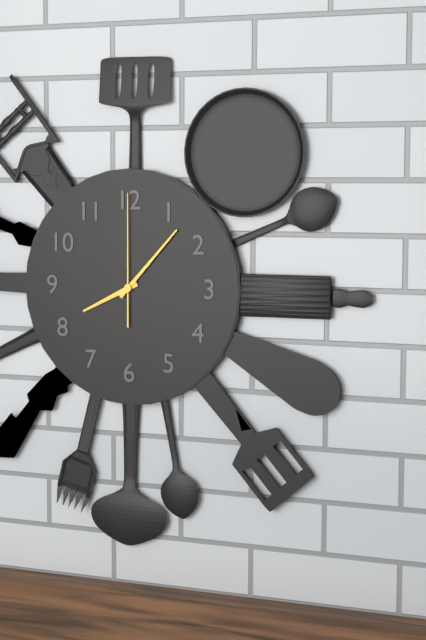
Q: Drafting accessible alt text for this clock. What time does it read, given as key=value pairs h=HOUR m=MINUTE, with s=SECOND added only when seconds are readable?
h=8 m=7 s=0
